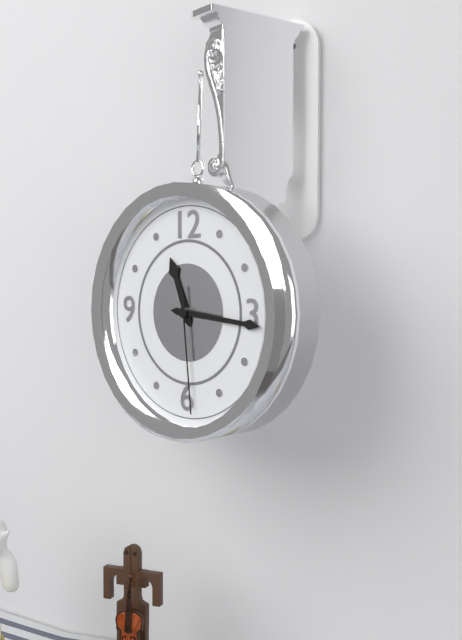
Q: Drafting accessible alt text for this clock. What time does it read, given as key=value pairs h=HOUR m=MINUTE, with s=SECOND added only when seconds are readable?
h=11 m=16 s=29
